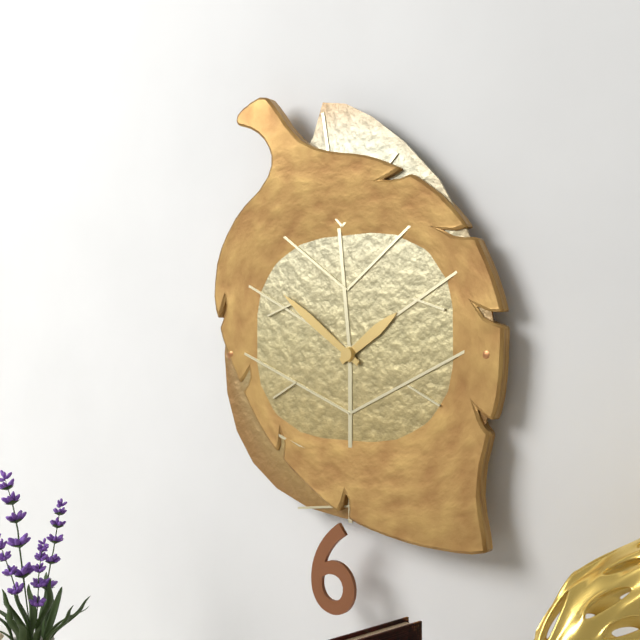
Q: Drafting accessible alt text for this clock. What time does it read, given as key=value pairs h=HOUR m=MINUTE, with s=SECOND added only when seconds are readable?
h=1 m=51
